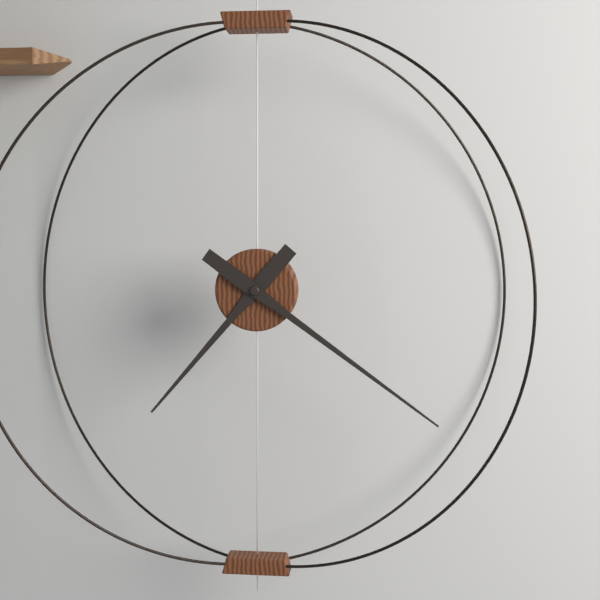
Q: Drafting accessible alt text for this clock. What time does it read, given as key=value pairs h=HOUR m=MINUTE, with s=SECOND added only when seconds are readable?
h=7 m=21
